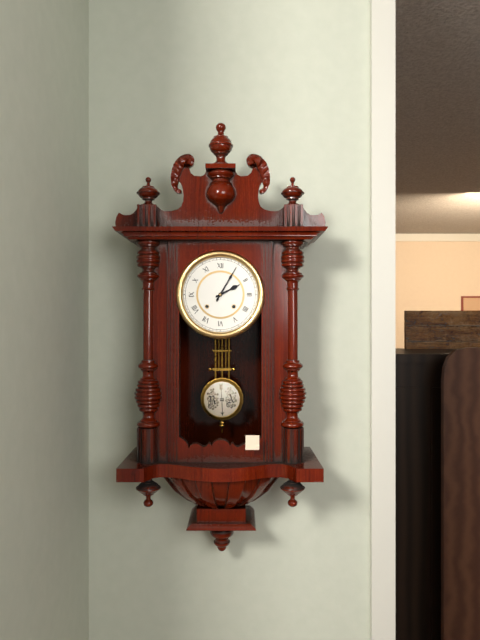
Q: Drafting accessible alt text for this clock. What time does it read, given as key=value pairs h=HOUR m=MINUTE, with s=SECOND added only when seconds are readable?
h=2 m=5
